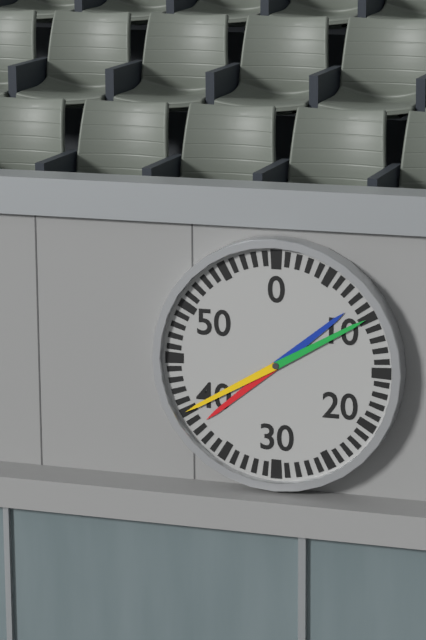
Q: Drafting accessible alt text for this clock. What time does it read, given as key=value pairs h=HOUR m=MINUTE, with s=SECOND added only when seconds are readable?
h=7 m=40
